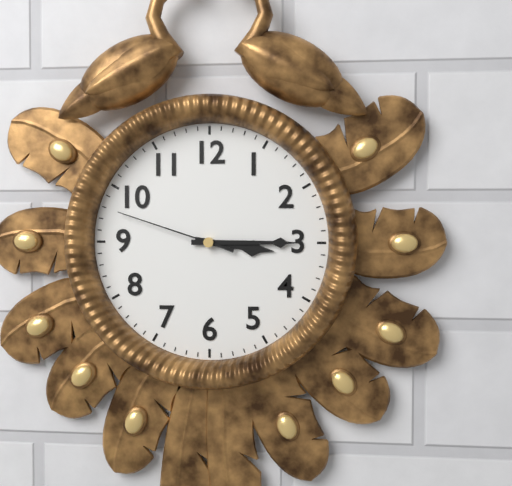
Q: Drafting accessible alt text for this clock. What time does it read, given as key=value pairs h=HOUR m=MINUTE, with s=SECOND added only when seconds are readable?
h=3 m=15 s=48
